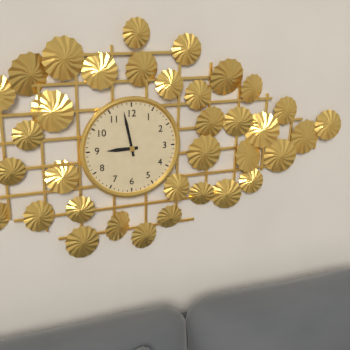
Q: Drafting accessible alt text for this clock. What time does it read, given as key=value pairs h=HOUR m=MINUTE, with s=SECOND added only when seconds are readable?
h=8 m=58
